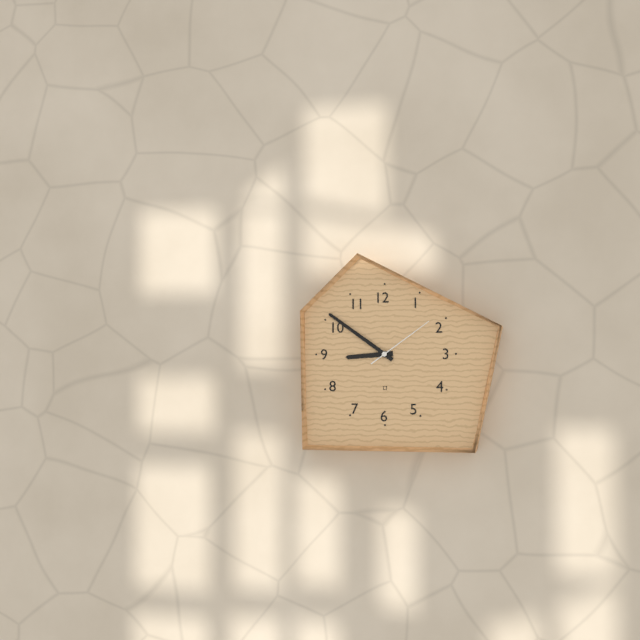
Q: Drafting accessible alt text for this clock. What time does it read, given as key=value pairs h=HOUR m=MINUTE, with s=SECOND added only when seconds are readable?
h=8 m=51 s=9
